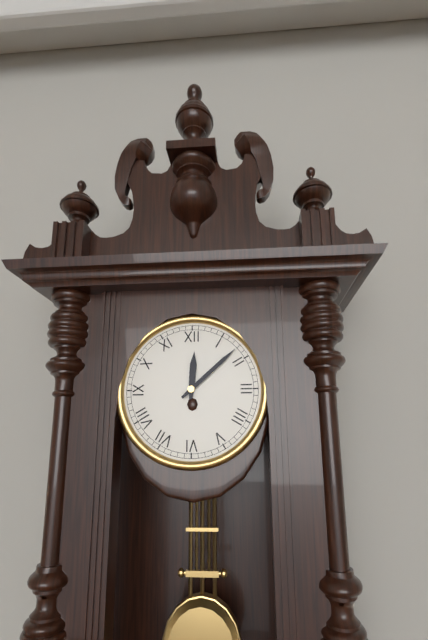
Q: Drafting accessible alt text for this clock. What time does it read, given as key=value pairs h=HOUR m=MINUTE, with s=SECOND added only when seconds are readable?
h=12 m=8
